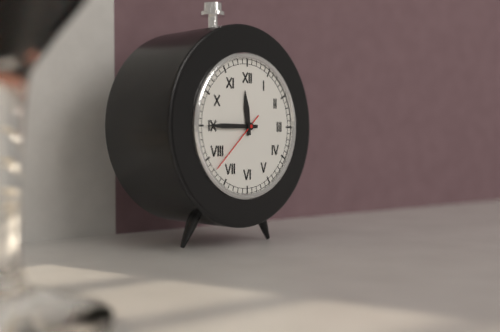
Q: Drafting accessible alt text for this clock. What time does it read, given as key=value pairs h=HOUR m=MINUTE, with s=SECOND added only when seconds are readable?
h=11 m=45 s=38
